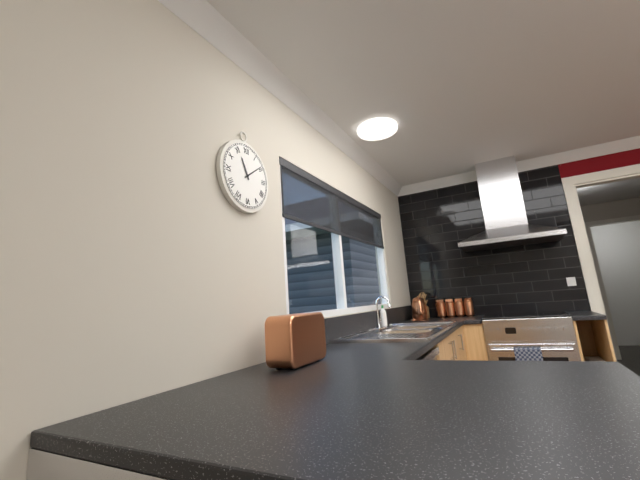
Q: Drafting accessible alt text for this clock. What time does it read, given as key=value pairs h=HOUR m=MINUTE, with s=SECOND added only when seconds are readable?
h=11 m=9
